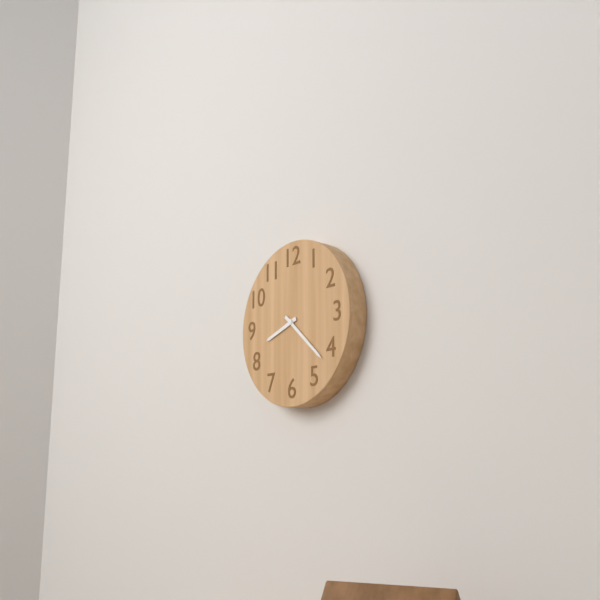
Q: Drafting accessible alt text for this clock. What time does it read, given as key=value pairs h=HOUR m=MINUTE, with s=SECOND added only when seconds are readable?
h=8 m=22
